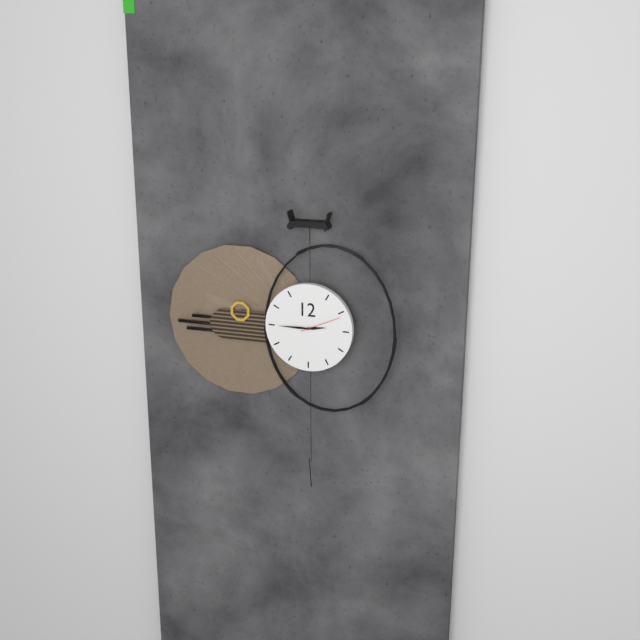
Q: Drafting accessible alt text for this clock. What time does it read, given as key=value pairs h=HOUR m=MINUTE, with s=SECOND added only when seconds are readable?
h=2 m=45
